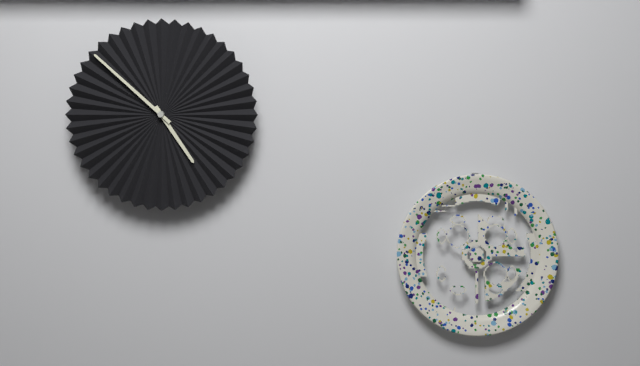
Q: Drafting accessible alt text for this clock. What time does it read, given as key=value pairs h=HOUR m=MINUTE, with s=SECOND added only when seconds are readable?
h=4 m=52
